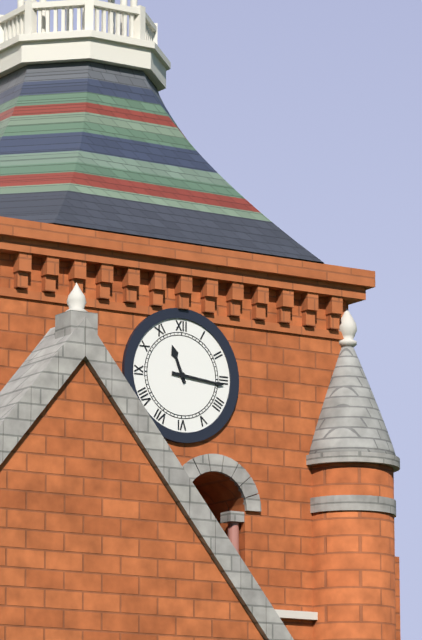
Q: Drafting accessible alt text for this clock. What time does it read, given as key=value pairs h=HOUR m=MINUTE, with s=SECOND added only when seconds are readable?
h=11 m=16
